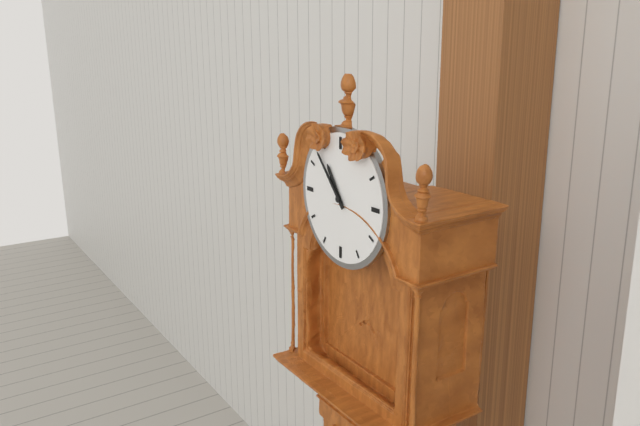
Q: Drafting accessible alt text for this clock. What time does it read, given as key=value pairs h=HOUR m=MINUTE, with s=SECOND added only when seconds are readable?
h=10 m=53
